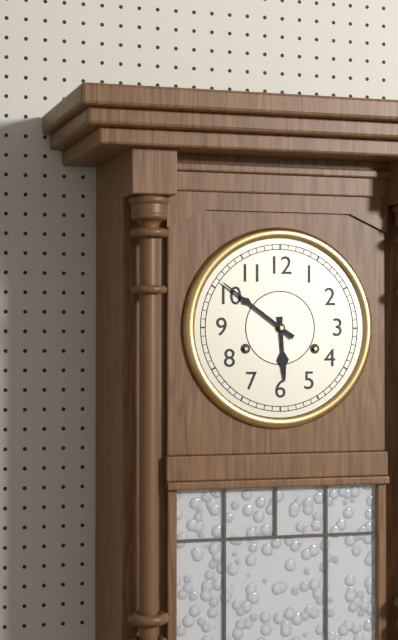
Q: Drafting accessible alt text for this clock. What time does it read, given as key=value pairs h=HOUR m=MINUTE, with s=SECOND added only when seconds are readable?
h=5 m=51
